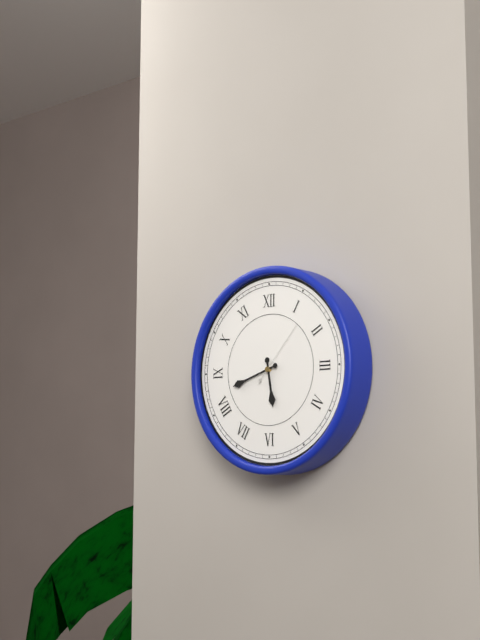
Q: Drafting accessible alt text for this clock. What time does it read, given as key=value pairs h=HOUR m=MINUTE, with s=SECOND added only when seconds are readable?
h=5 m=42 s=7
